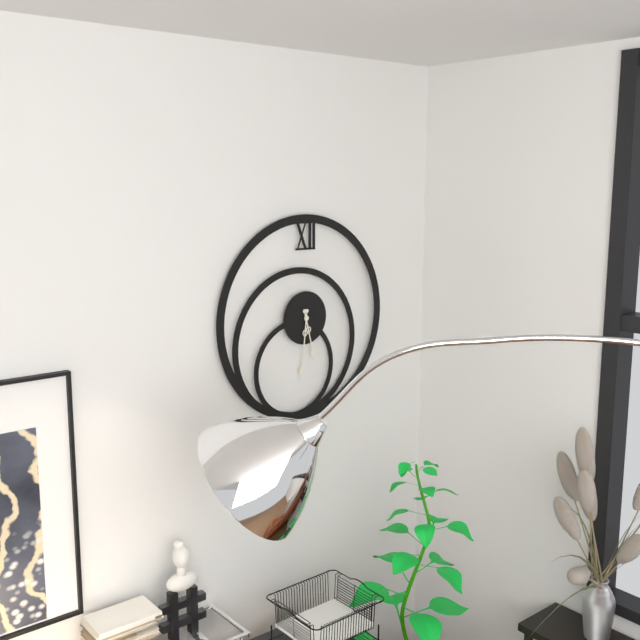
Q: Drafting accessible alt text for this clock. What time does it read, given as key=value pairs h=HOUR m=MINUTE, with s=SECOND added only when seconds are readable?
h=5 m=31
